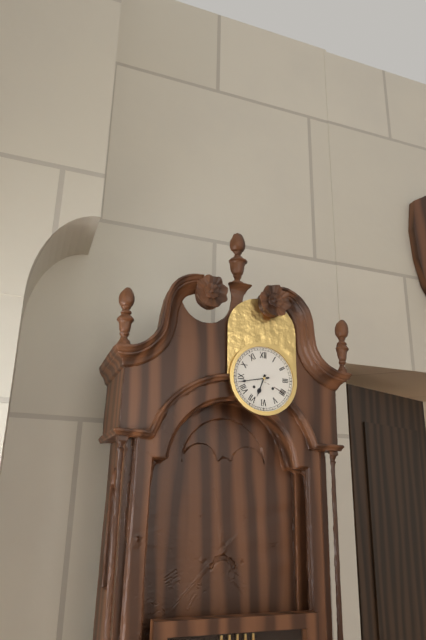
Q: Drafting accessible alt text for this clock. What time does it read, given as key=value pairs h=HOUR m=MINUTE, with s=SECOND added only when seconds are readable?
h=6 m=43
